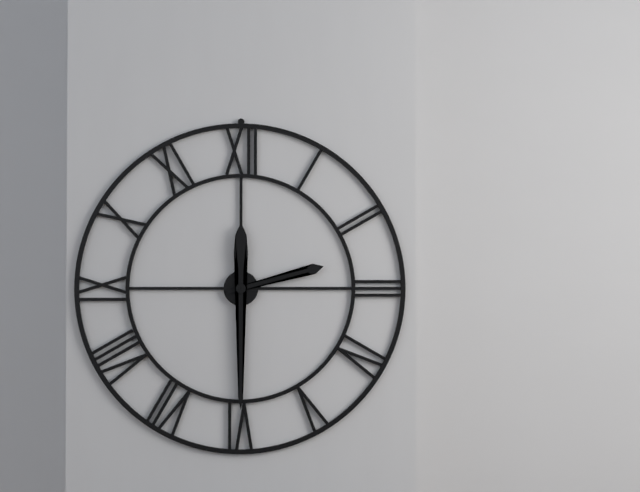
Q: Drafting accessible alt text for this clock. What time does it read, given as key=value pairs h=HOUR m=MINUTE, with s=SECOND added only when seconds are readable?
h=2 m=30
